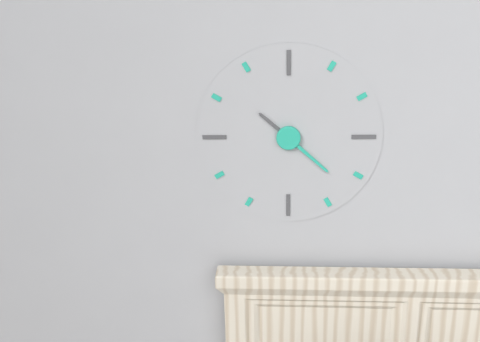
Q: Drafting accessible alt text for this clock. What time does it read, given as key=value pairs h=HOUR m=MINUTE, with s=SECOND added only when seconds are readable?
h=10 m=22
